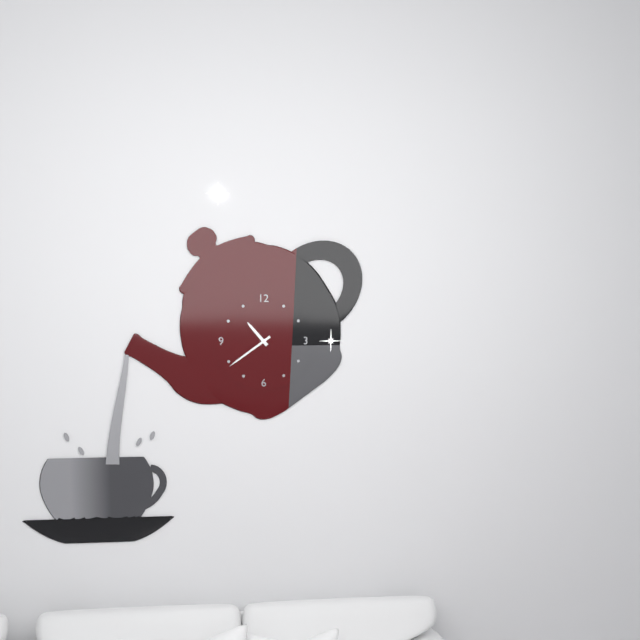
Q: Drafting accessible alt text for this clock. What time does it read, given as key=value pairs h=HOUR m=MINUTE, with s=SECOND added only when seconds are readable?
h=10 m=39
